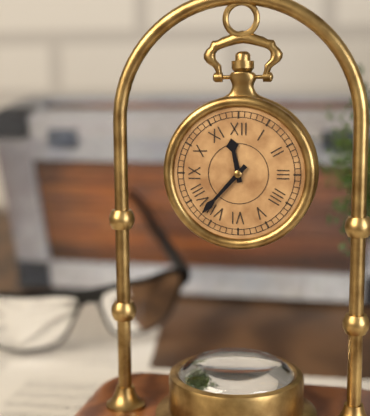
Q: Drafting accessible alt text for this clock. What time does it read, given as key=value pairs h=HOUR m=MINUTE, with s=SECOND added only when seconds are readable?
h=11 m=37
